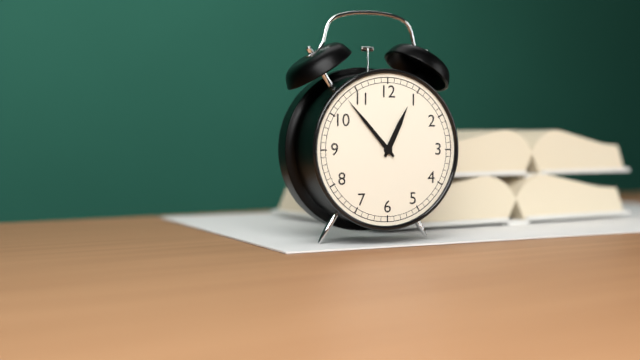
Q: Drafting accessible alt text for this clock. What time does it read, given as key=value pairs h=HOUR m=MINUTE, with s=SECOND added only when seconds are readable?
h=12 m=53
